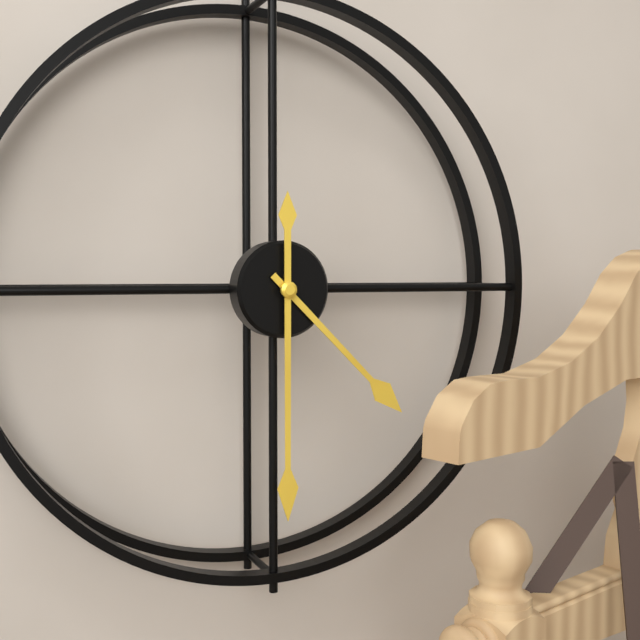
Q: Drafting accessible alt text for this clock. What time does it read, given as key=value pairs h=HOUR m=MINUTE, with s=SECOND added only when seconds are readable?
h=4 m=30
